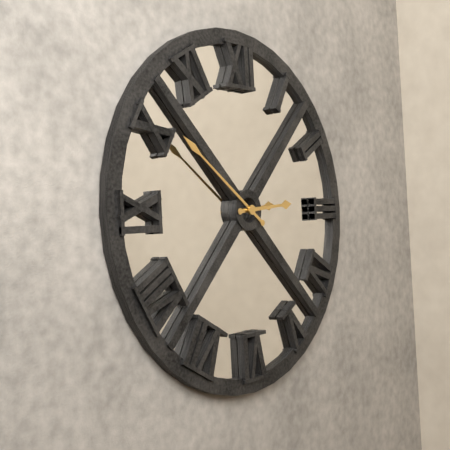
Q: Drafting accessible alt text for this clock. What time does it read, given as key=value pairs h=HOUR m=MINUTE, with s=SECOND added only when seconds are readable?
h=2 m=51
